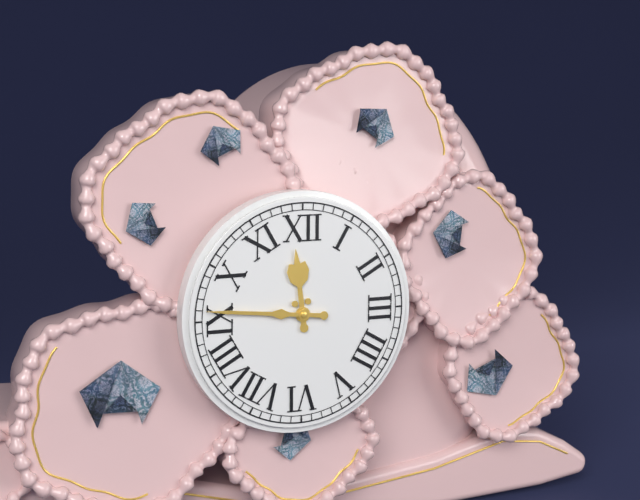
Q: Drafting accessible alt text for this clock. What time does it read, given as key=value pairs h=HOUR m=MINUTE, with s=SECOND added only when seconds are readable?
h=11 m=46
